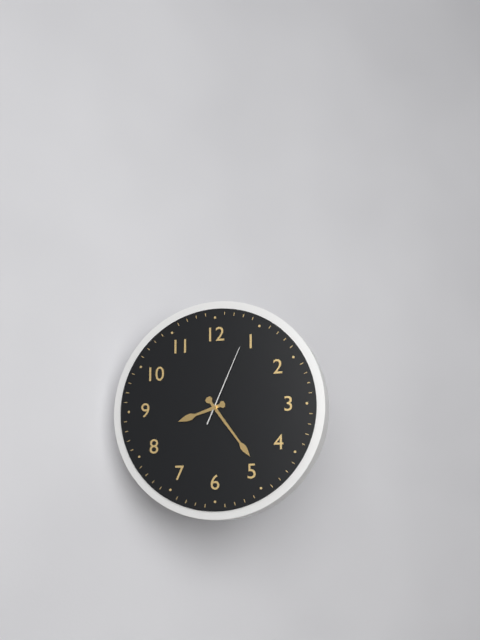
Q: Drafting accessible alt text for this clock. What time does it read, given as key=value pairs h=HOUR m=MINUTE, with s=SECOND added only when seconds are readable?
h=8 m=24 s=4
